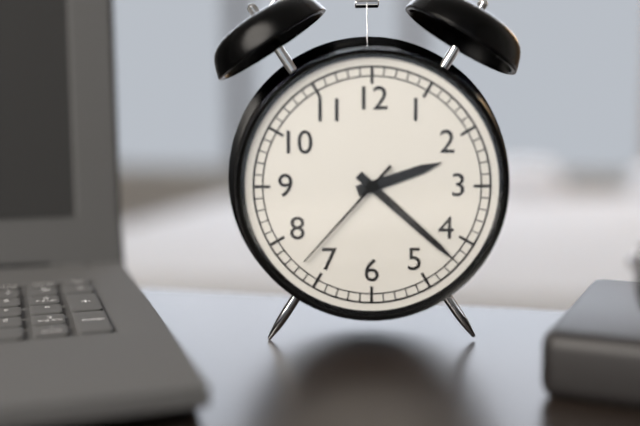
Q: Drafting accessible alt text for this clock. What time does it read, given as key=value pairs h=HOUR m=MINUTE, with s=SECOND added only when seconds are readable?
h=2 m=22 s=37
